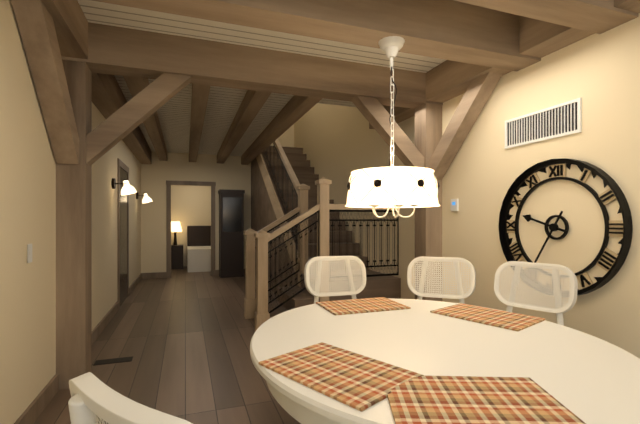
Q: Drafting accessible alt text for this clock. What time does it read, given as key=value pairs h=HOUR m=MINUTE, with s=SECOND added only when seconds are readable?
h=9 m=35
